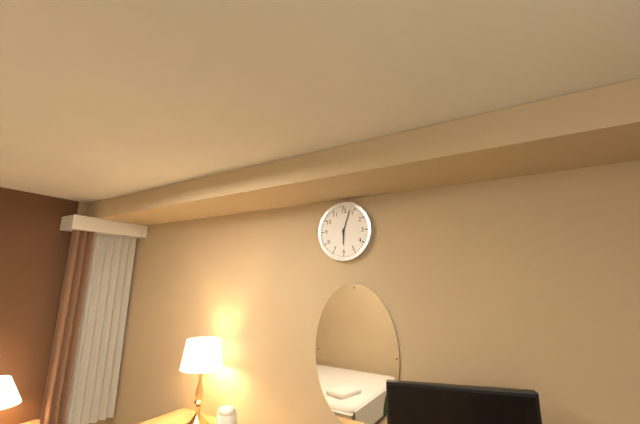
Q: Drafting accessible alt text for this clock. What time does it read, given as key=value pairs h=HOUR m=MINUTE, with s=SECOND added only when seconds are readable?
h=6 m=3
